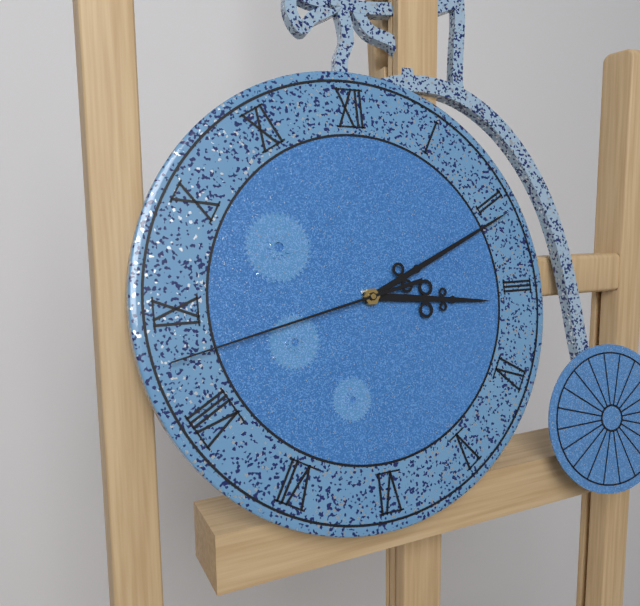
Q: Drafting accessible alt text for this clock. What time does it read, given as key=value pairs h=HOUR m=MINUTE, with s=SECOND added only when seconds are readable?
h=3 m=11 s=43
